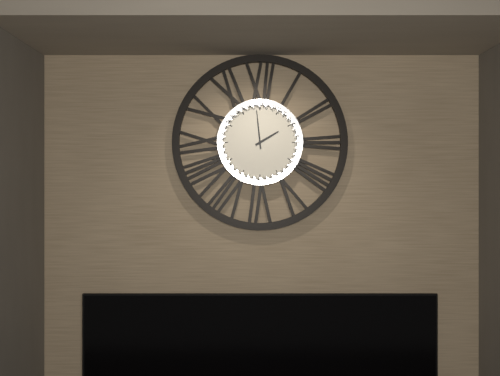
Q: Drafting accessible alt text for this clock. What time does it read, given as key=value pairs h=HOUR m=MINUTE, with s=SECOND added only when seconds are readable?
h=1 m=59
